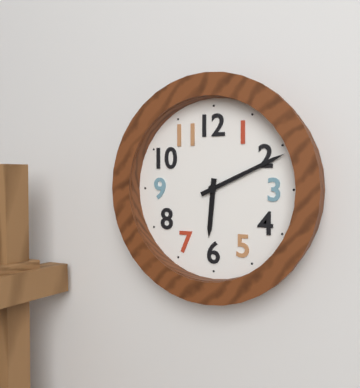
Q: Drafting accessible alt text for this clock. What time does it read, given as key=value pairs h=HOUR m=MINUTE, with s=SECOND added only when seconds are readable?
h=6 m=11
